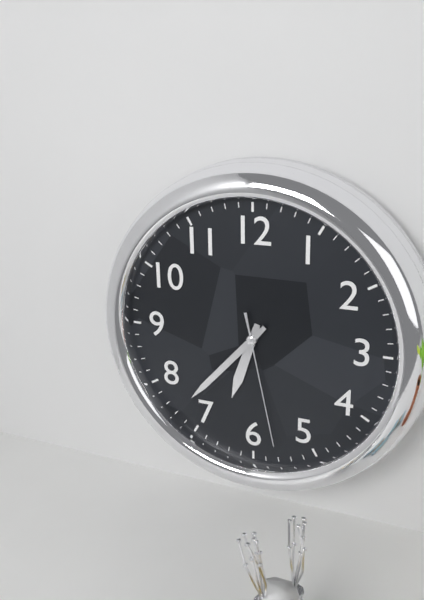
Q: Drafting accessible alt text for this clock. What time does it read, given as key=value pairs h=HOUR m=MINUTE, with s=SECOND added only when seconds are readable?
h=6 m=37 s=28
